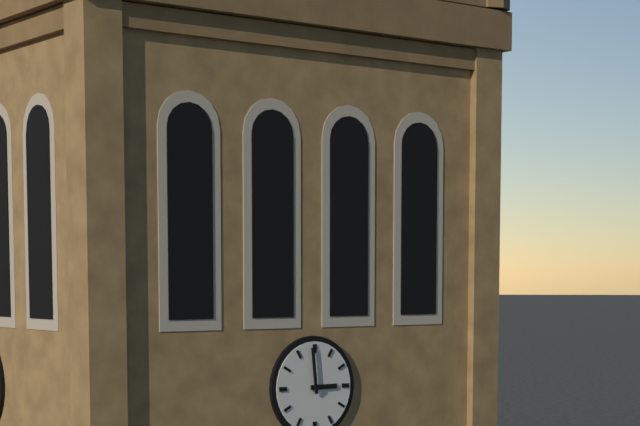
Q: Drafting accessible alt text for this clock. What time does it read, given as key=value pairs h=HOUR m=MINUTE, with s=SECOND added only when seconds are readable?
h=2 m=59
